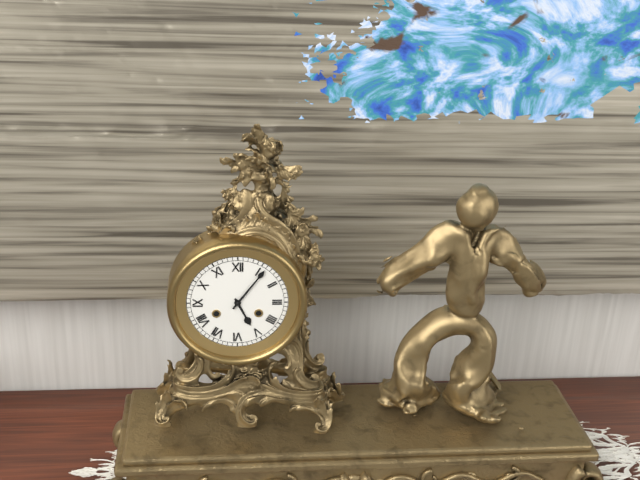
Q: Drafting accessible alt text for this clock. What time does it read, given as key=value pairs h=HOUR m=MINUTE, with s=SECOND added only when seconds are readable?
h=5 m=6
